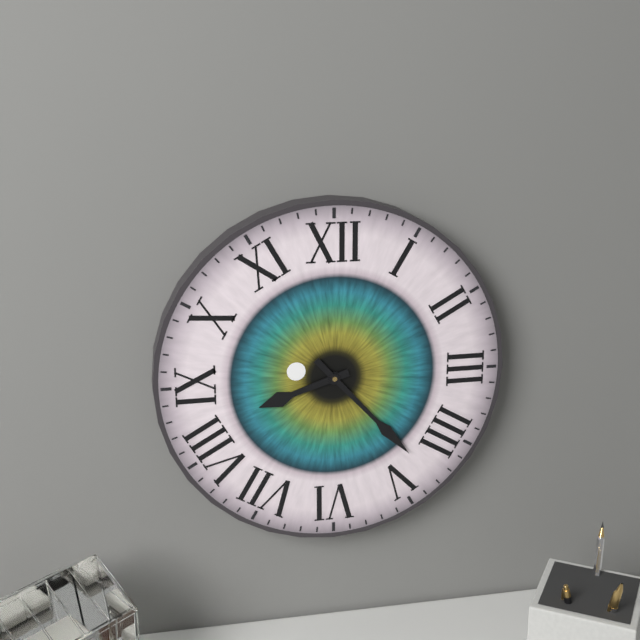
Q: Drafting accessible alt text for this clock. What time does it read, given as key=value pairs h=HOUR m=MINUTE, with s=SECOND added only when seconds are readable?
h=8 m=23
